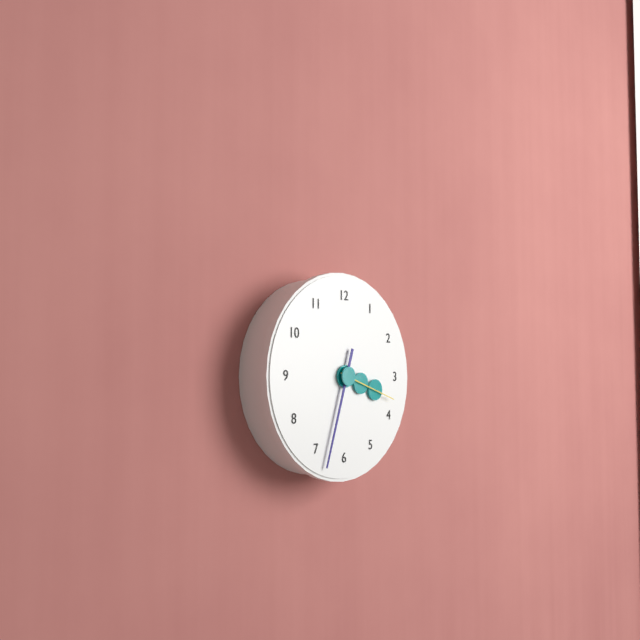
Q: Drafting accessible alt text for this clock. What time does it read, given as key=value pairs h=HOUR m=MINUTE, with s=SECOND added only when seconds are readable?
h=3 m=33 s=18
